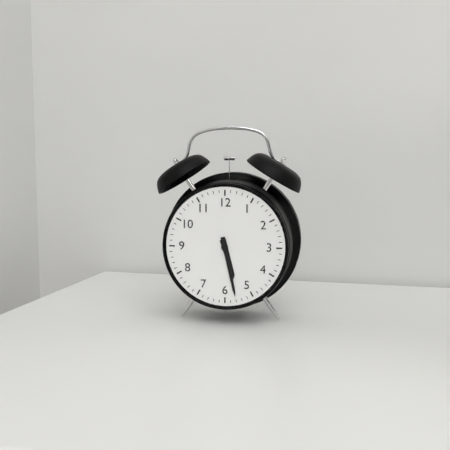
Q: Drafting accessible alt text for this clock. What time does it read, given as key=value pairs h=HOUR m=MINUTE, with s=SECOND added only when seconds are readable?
h=5 m=28
